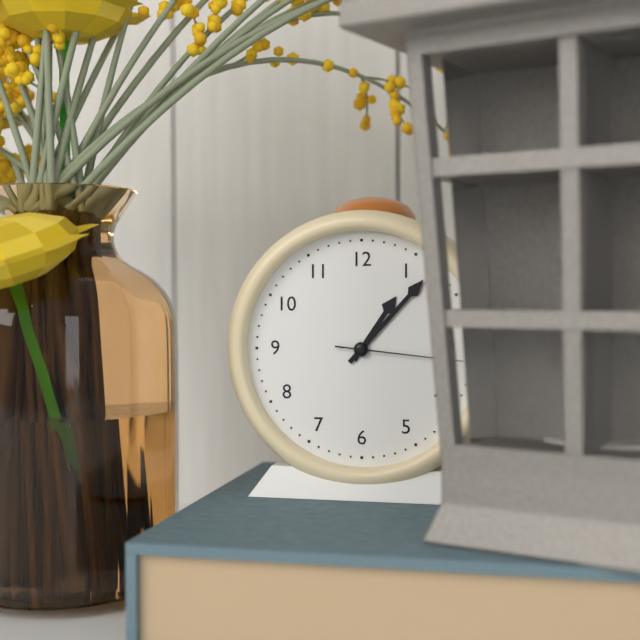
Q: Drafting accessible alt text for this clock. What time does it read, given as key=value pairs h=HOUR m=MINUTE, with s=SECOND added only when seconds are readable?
h=1 m=7 s=16
